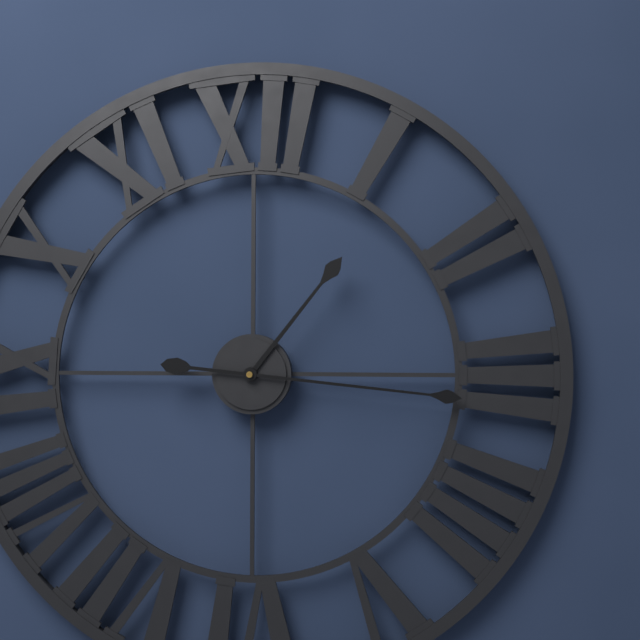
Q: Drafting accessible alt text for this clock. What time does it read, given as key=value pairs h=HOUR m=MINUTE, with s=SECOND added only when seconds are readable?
h=1 m=16
